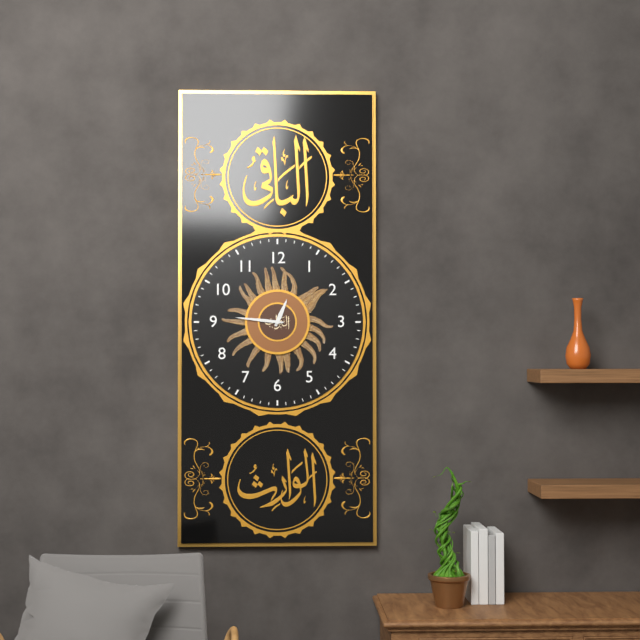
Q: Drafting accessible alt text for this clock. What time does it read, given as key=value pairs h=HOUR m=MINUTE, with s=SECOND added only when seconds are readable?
h=12 m=46
